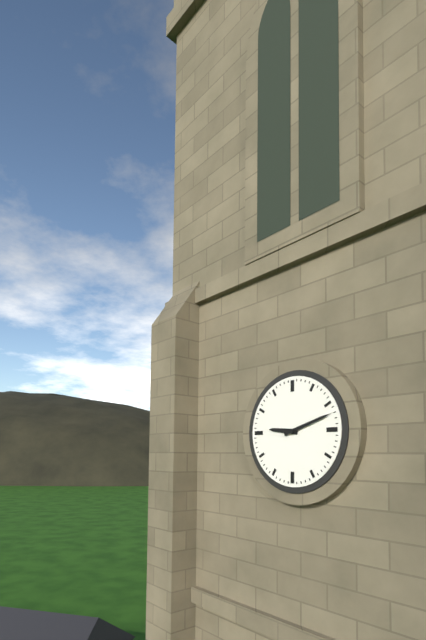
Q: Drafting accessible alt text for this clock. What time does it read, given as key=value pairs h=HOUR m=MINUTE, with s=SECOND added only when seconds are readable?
h=9 m=12
